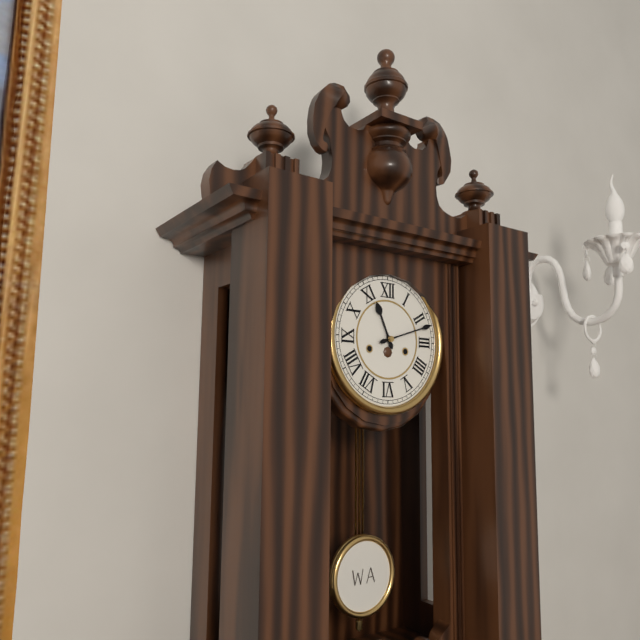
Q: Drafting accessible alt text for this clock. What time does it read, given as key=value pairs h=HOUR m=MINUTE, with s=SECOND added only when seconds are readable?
h=11 m=12
